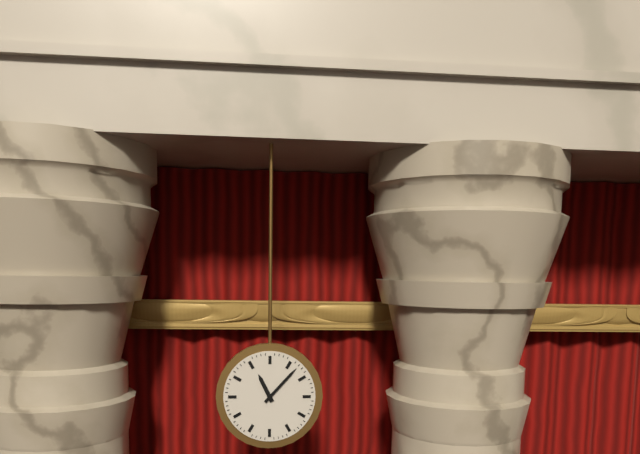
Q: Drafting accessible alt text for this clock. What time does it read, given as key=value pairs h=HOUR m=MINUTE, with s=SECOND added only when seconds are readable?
h=11 m=7
